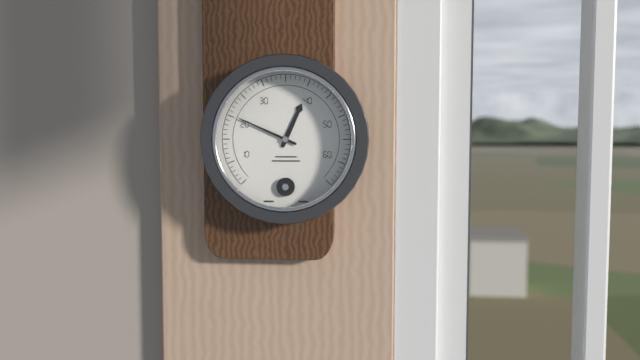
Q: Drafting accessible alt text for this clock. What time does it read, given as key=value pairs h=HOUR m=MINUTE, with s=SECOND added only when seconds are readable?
h=12 m=49
